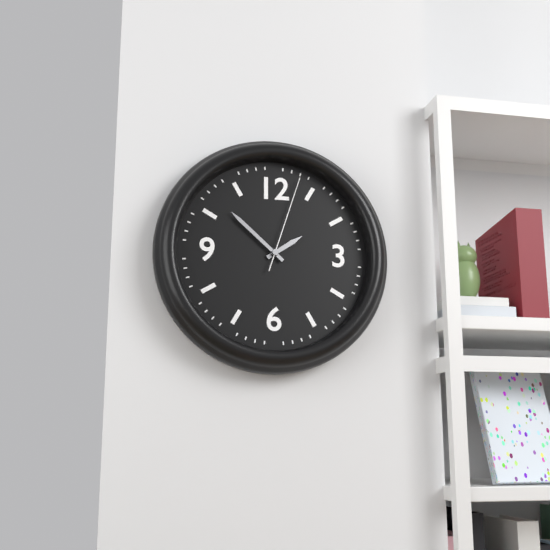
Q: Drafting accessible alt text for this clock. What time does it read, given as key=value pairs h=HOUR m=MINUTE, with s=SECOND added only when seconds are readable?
h=1 m=52 s=3
